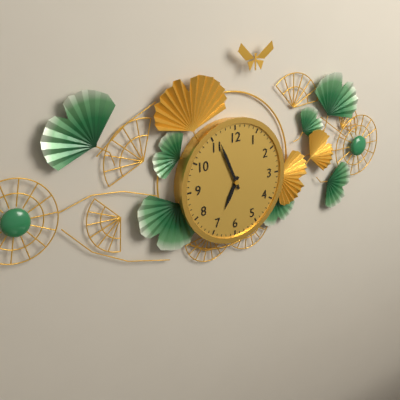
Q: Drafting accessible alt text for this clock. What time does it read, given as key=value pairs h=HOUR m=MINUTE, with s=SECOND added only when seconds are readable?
h=6 m=56
